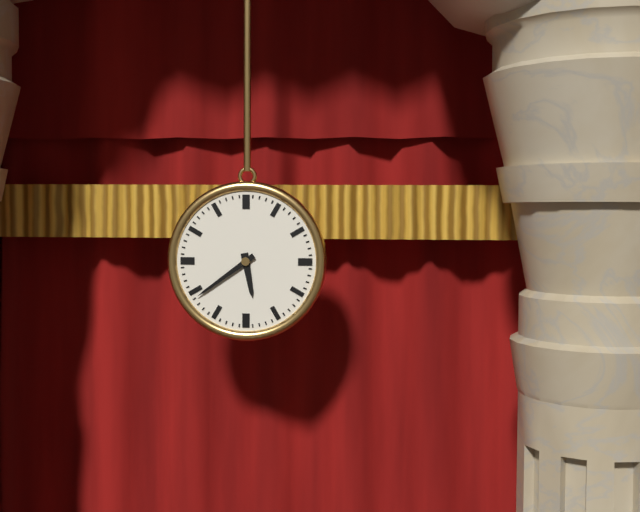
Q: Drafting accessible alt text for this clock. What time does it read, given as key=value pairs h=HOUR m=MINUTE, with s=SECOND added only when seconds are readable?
h=5 m=39
